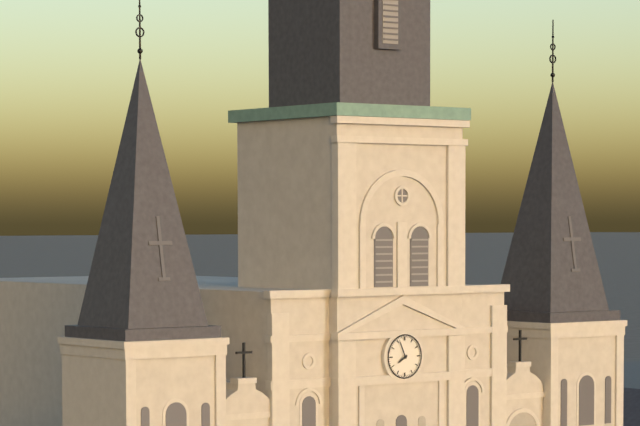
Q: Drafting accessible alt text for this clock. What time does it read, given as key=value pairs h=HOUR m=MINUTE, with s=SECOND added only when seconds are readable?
h=7 m=56
